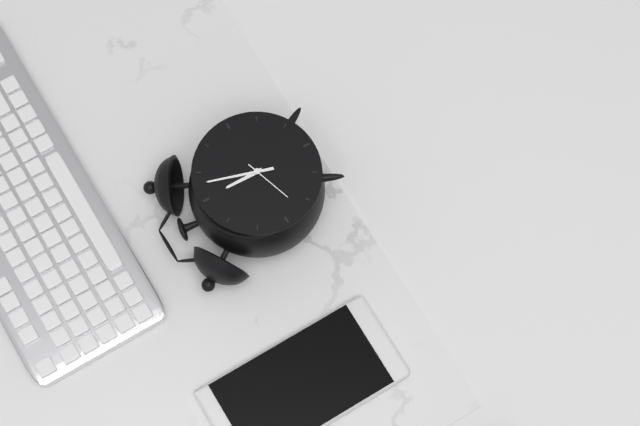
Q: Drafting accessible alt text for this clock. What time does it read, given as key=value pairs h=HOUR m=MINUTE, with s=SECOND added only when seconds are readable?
h=12 m=3 s=42
